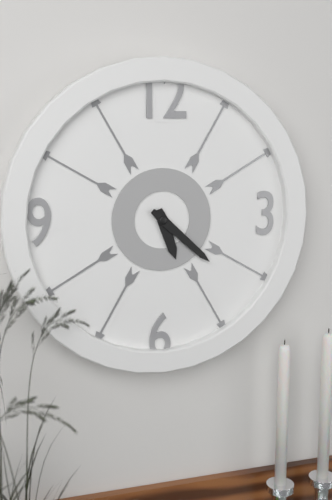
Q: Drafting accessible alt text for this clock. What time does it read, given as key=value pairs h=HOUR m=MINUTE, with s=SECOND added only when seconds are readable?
h=5 m=22
